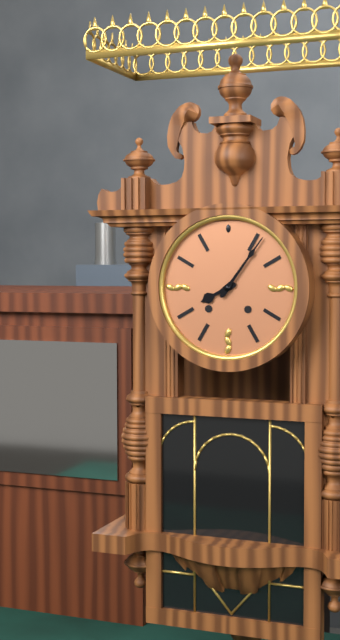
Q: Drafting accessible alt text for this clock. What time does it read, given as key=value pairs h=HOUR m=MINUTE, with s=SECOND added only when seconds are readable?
h=8 m=6
